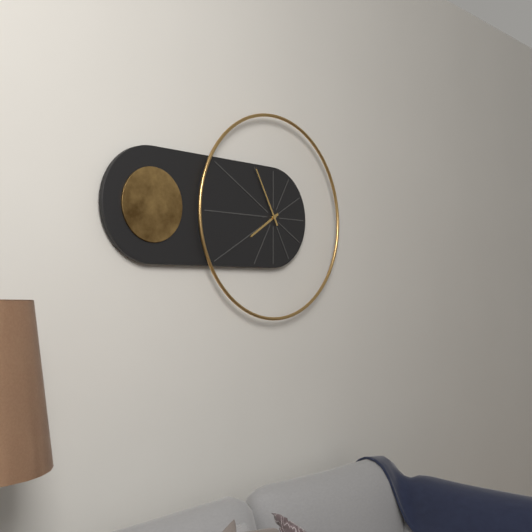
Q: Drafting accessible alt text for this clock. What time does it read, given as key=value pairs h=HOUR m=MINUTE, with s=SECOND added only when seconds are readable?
h=7 m=55
